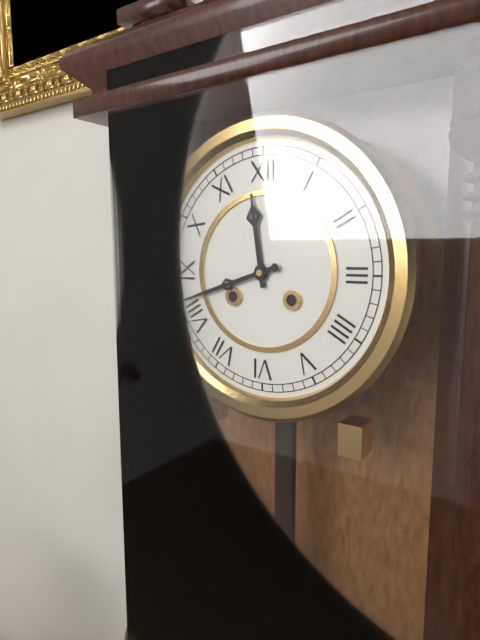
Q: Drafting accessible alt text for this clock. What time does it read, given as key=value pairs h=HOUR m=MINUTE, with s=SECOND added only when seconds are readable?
h=11 m=42
